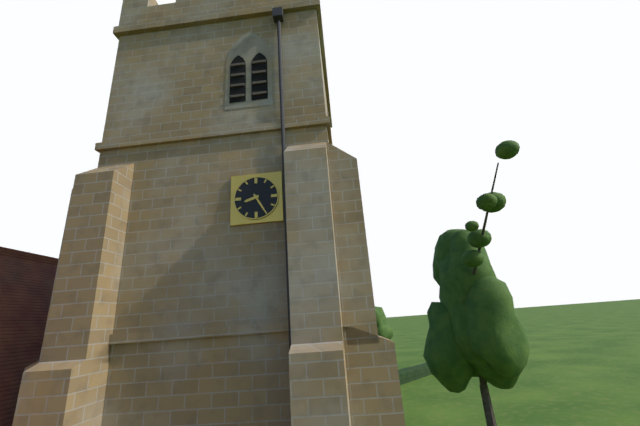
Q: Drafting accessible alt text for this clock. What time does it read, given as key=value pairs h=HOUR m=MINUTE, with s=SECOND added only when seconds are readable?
h=8 m=25
